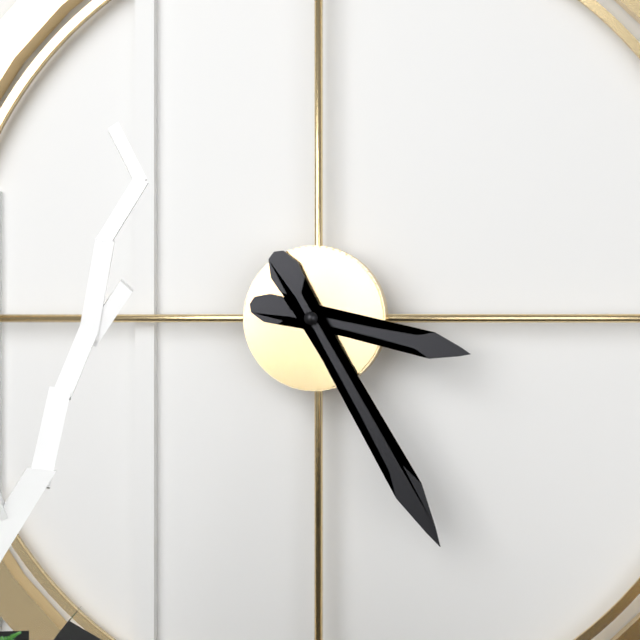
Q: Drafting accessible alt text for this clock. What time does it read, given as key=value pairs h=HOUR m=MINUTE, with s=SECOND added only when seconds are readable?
h=3 m=25
